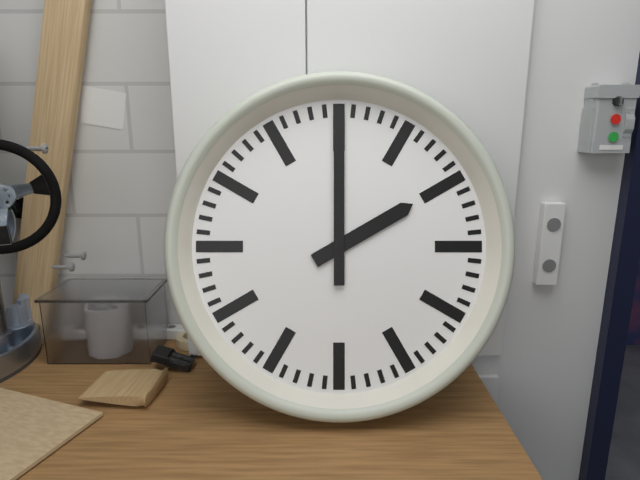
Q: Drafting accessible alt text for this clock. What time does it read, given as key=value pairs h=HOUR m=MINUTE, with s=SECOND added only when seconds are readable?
h=2 m=0
